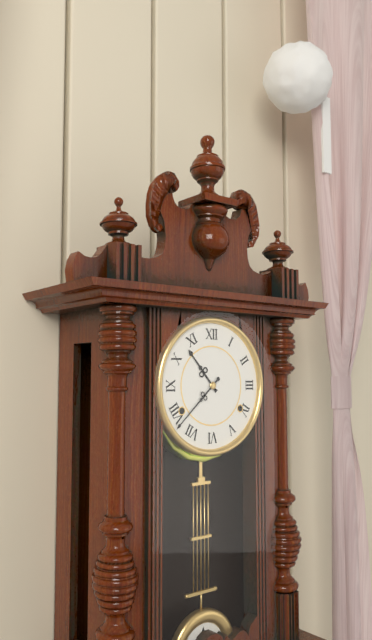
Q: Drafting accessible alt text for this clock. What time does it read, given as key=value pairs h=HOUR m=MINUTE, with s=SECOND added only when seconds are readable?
h=10 m=38
